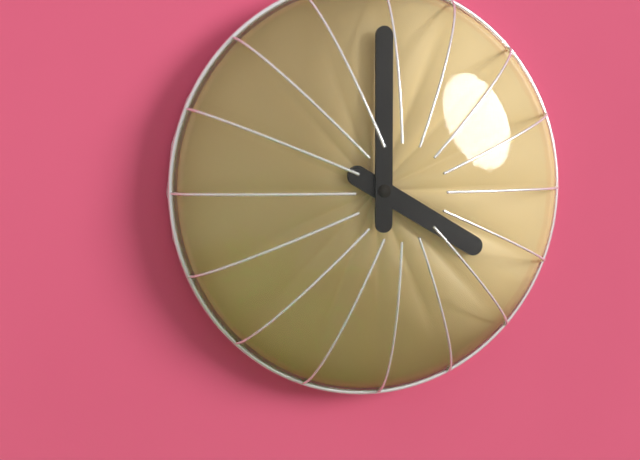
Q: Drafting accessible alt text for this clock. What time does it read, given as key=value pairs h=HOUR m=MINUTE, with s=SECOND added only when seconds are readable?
h=4 m=0
